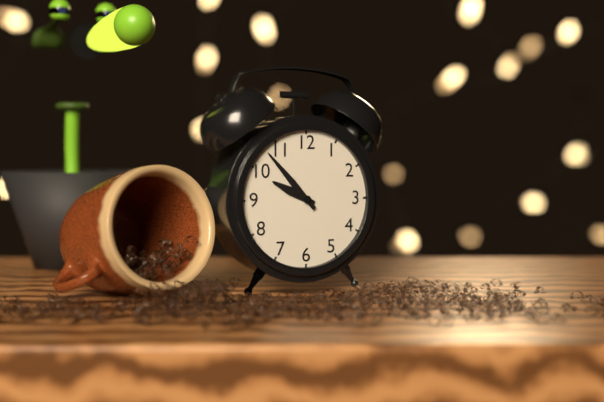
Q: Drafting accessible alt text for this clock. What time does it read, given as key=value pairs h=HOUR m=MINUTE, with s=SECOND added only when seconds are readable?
h=9 m=53
